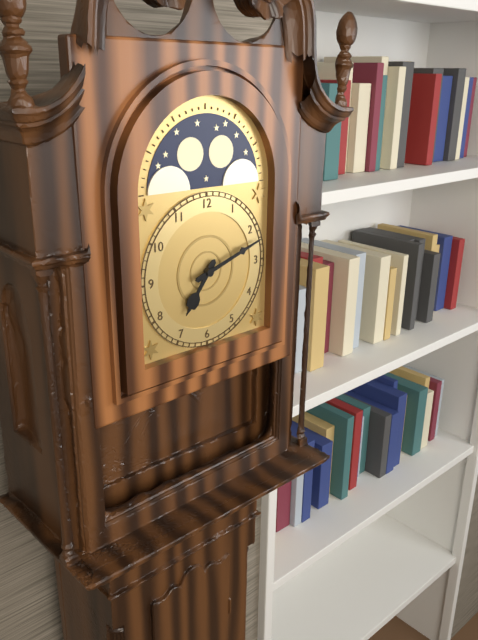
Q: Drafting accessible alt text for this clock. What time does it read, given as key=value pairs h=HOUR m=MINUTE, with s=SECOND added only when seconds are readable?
h=7 m=12
